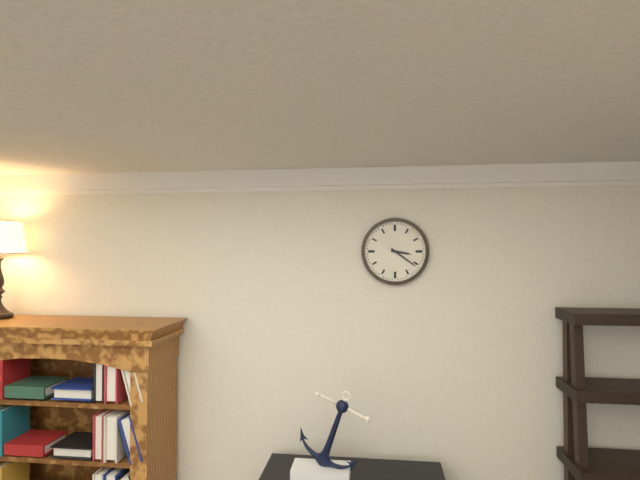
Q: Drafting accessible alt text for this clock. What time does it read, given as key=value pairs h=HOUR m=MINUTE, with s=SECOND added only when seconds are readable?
h=3 m=21
